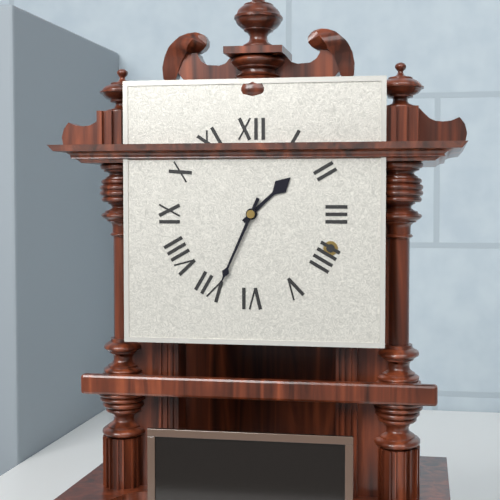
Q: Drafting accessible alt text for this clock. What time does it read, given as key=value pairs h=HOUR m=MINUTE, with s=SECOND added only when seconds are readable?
h=1 m=34
